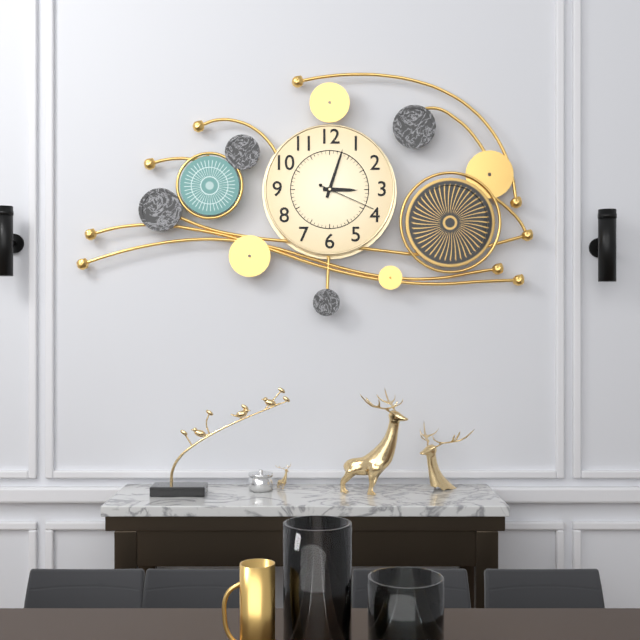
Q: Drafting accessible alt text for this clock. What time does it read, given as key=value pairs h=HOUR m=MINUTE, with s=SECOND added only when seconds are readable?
h=3 m=3 s=19
